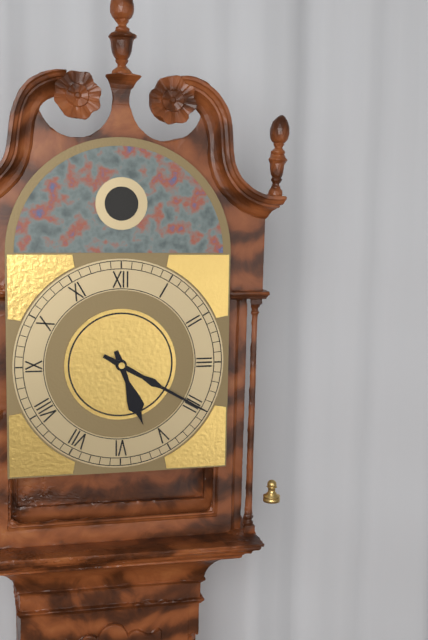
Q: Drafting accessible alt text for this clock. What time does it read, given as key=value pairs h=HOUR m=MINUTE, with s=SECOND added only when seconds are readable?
h=5 m=20
